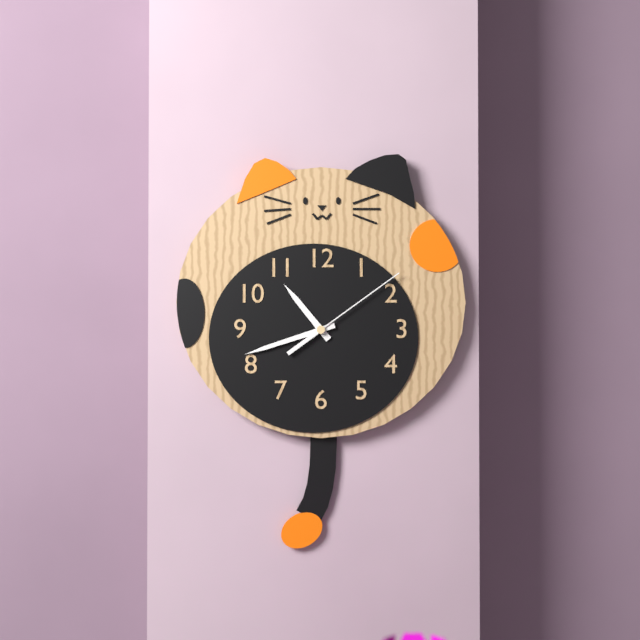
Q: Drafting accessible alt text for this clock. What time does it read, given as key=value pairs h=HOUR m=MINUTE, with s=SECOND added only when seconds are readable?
h=10 m=42 s=9
